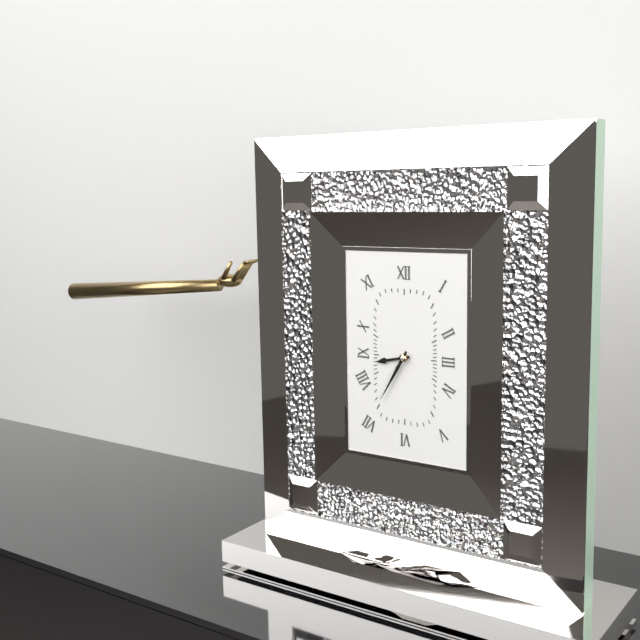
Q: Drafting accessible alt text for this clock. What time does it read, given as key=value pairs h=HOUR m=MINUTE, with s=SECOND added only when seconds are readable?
h=8 m=35
